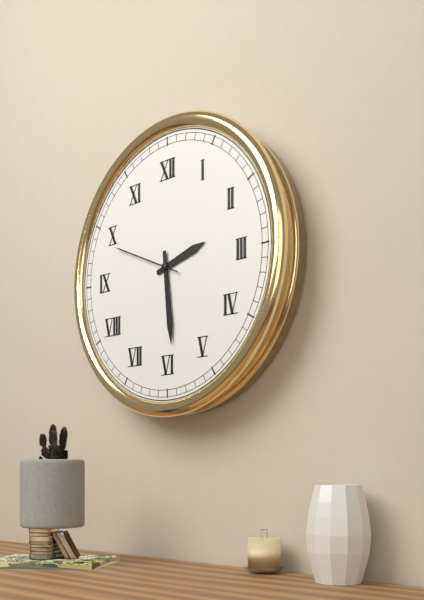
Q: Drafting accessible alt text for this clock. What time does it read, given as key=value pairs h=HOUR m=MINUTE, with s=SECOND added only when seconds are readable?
h=2 m=29 s=49
